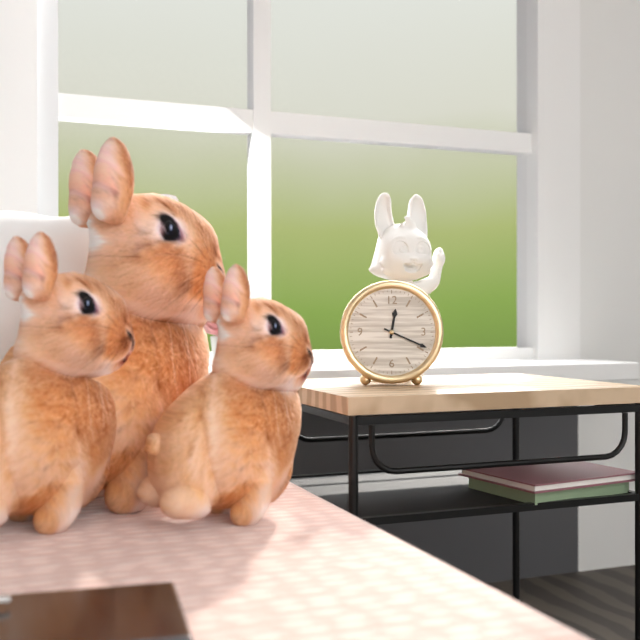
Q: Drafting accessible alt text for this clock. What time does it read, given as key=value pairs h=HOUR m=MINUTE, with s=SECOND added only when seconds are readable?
h=12 m=19
